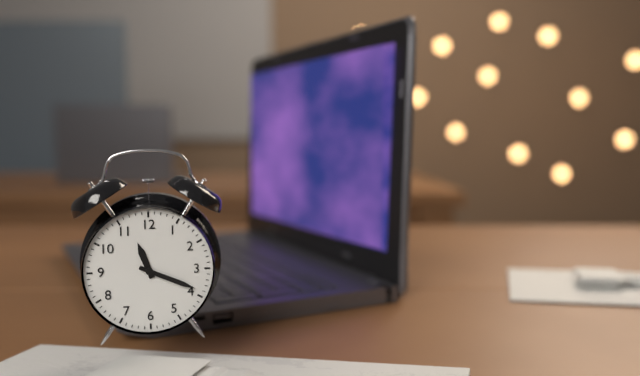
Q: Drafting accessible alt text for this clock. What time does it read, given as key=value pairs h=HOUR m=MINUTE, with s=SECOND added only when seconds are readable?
h=11 m=19
